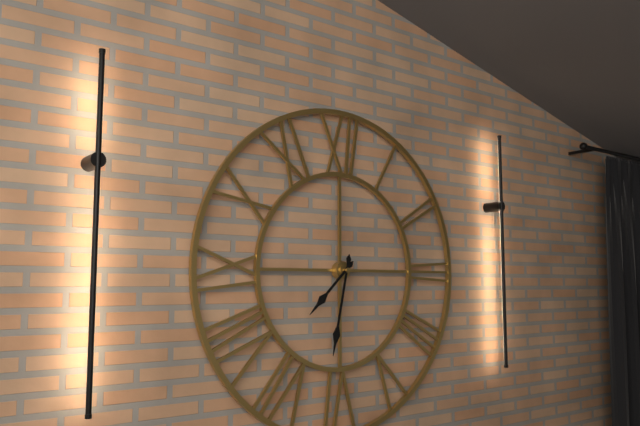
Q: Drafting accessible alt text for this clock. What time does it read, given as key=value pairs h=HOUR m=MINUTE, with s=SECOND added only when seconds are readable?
h=7 m=32
